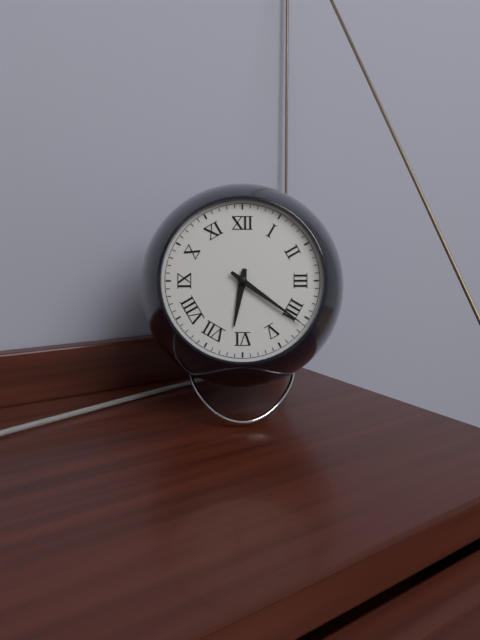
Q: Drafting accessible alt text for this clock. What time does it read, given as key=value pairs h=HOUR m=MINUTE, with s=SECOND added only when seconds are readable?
h=6 m=21
